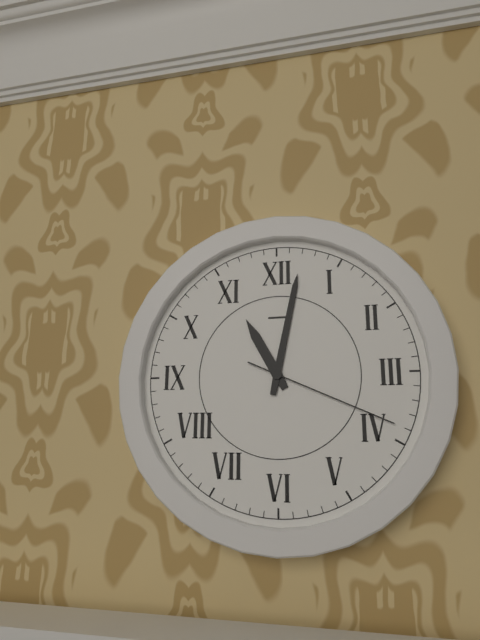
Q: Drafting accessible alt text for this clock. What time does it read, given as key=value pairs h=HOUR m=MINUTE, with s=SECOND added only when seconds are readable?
h=11 m=2 s=19
